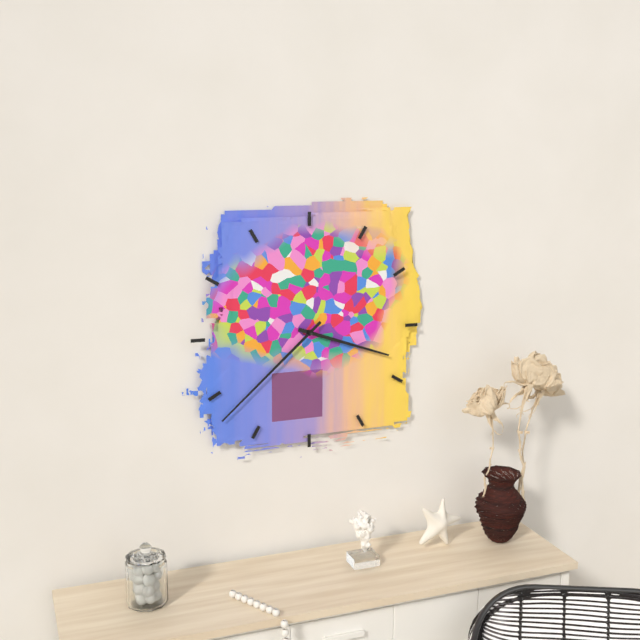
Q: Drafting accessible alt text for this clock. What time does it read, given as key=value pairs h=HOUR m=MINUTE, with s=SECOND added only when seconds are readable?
h=3 m=38
